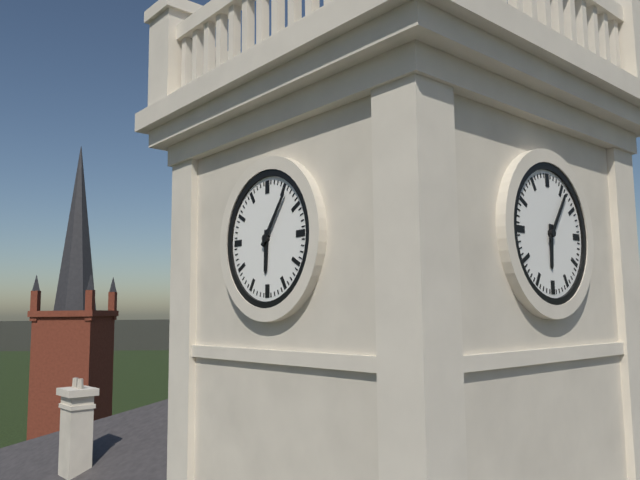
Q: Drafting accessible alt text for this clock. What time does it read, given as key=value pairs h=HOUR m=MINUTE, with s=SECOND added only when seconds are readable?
h=6 m=6
